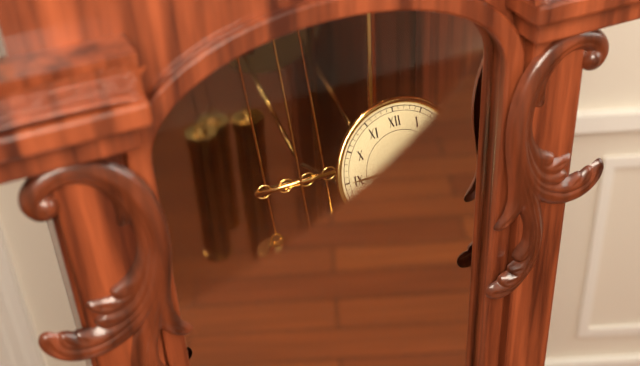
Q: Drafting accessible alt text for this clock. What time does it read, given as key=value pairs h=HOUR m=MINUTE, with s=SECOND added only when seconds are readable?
h=3 m=45
